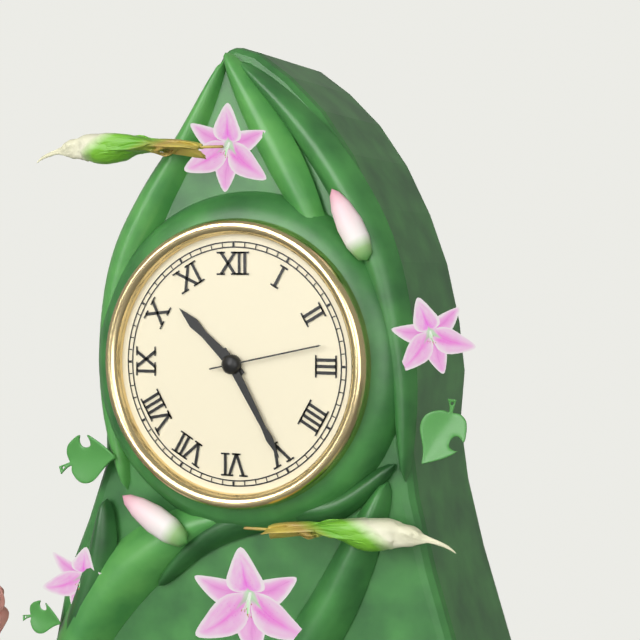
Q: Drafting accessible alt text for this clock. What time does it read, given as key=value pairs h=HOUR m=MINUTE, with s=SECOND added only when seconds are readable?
h=10 m=25
